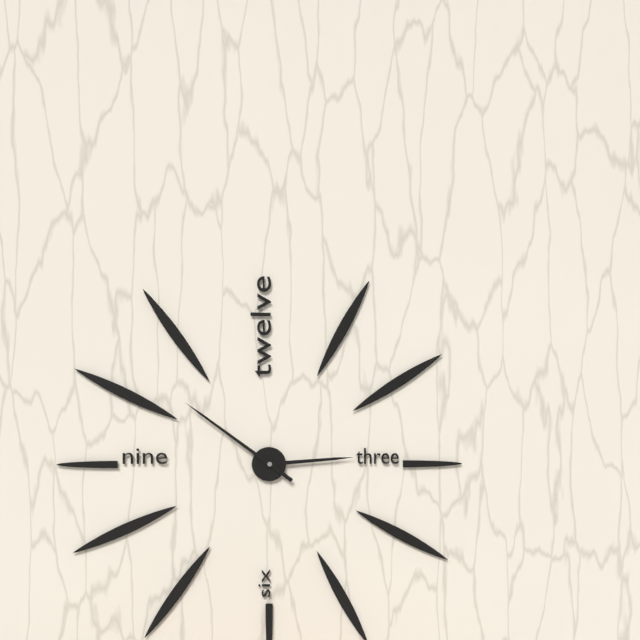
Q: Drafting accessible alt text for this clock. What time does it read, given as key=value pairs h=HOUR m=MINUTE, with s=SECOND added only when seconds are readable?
h=2 m=51
